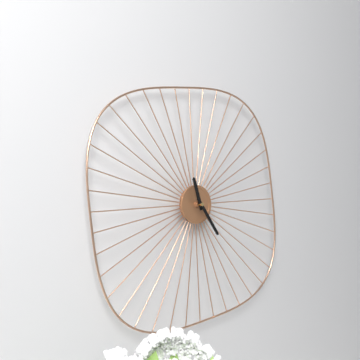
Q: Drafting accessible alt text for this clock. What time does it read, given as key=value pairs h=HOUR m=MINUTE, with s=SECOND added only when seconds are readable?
h=11 m=24
